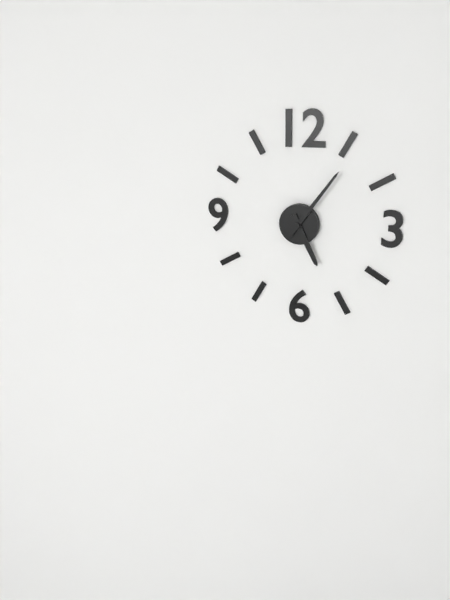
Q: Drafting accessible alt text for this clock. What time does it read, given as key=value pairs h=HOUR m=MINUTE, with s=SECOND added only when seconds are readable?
h=5 m=6
